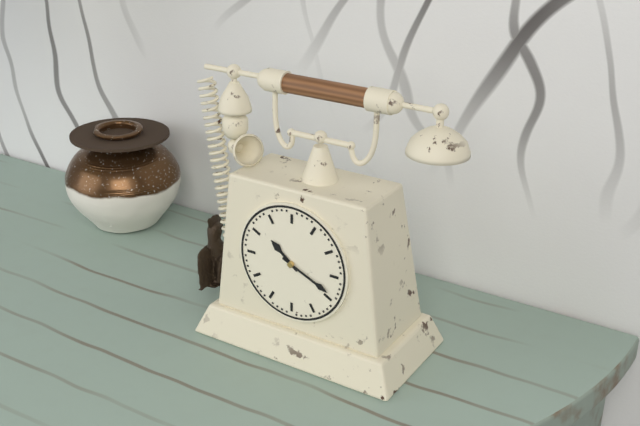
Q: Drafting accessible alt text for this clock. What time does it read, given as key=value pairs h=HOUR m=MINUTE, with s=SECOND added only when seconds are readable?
h=10 m=19
